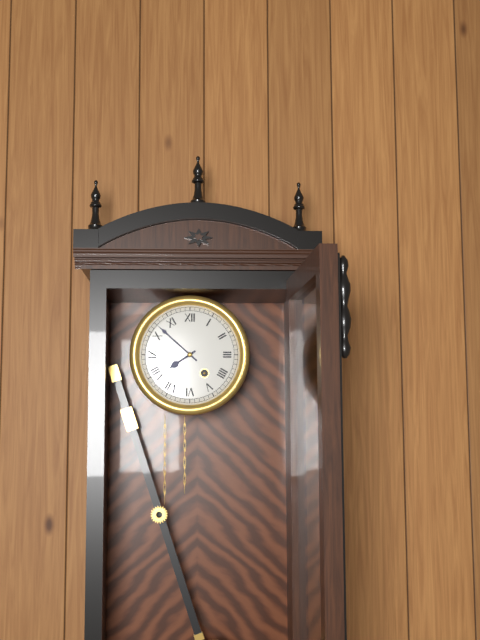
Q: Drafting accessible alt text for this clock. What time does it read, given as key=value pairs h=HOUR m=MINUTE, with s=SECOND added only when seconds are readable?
h=7 m=52
